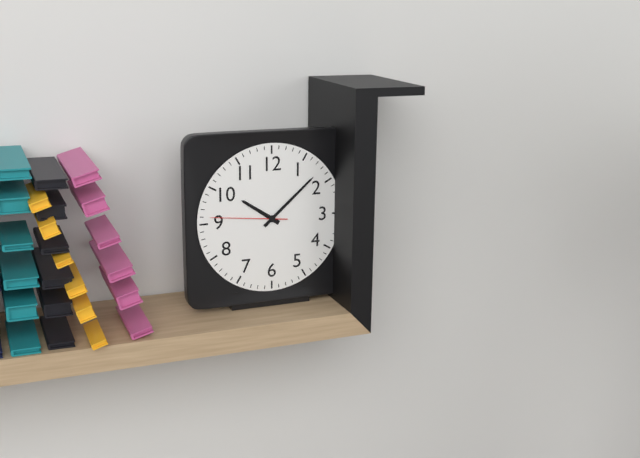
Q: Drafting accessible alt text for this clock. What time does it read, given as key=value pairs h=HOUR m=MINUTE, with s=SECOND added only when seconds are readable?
h=10 m=8 s=46
